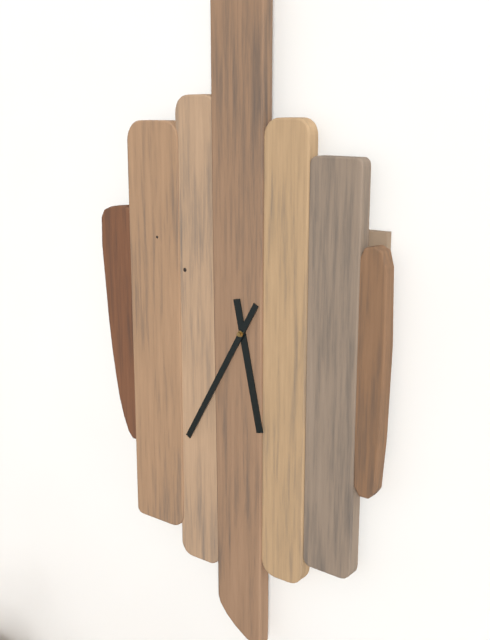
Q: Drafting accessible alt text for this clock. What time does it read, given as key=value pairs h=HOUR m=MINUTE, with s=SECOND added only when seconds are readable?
h=5 m=35
